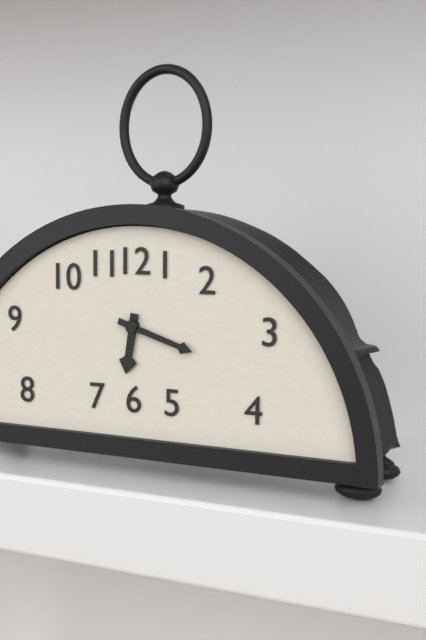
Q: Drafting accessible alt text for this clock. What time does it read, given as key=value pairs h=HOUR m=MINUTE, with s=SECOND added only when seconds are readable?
h=6 m=18
